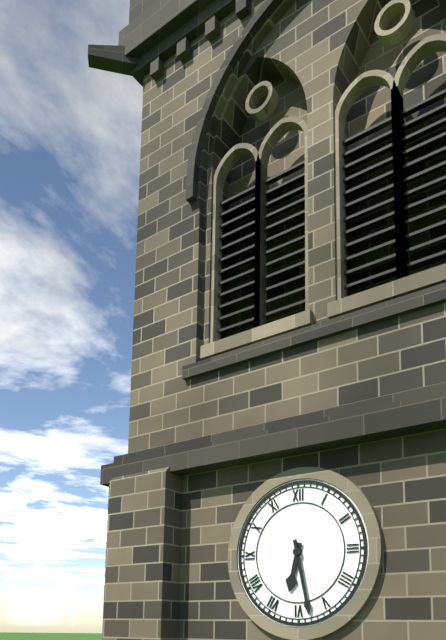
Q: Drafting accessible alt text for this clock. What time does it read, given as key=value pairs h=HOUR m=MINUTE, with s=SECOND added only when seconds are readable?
h=6 m=28
